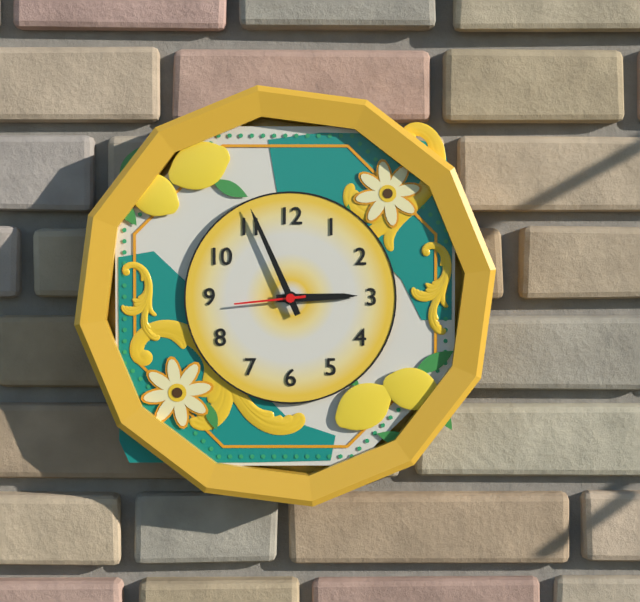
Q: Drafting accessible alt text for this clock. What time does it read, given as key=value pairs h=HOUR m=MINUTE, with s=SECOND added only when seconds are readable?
h=2 m=56 s=44
